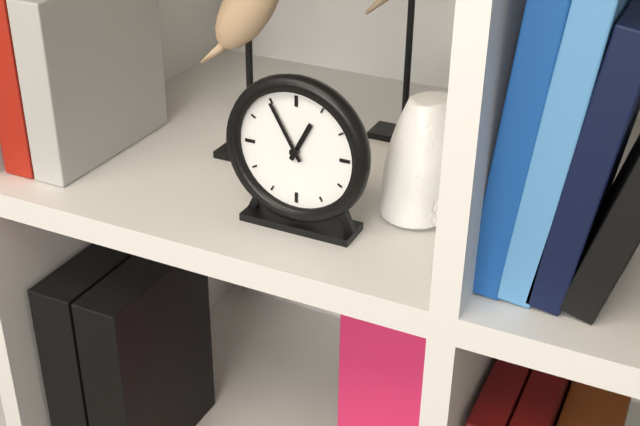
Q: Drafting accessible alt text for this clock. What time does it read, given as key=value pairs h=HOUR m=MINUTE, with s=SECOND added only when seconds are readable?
h=12 m=55
